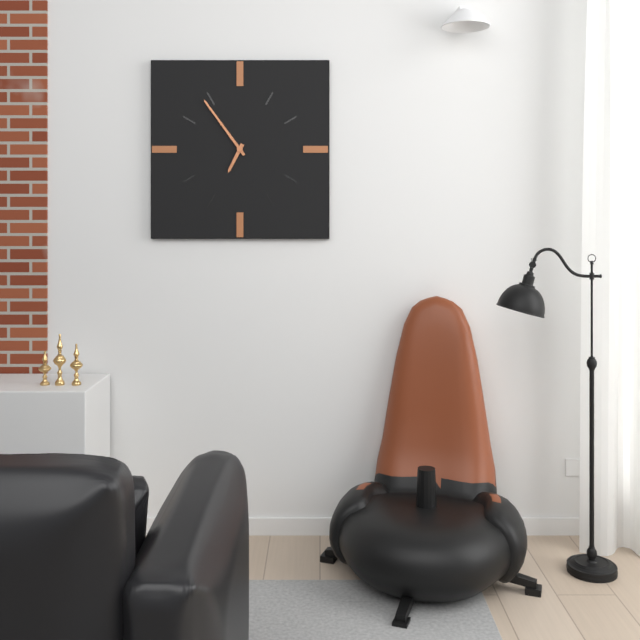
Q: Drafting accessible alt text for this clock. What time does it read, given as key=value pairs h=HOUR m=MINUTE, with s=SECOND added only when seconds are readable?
h=6 m=54
